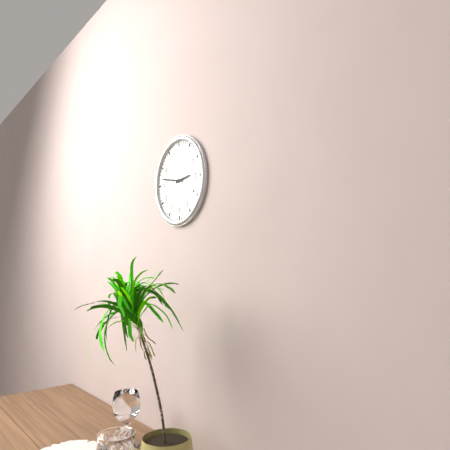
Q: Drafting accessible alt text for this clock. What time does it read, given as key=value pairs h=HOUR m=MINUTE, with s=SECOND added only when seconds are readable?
h=2 m=47
